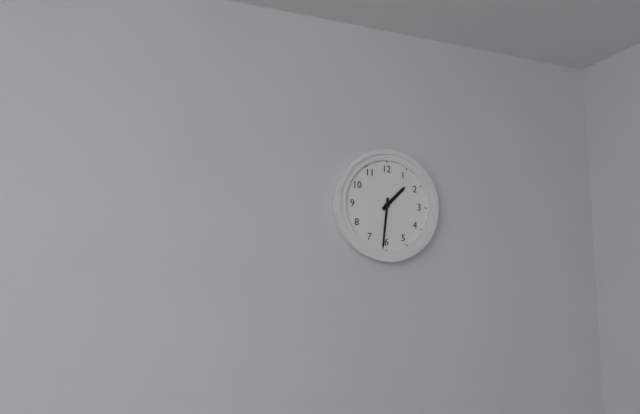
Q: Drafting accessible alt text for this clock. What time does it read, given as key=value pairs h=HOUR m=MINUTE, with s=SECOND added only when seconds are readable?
h=1 m=31
